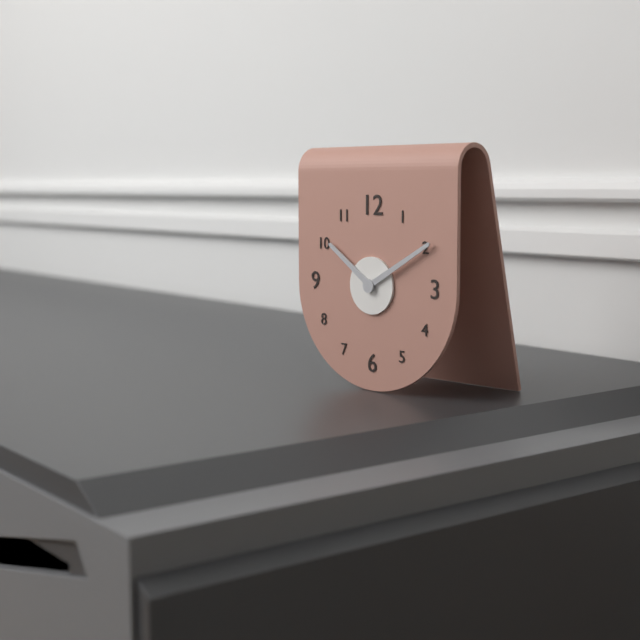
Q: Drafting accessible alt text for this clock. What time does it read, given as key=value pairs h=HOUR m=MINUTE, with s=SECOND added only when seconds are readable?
h=10 m=10
